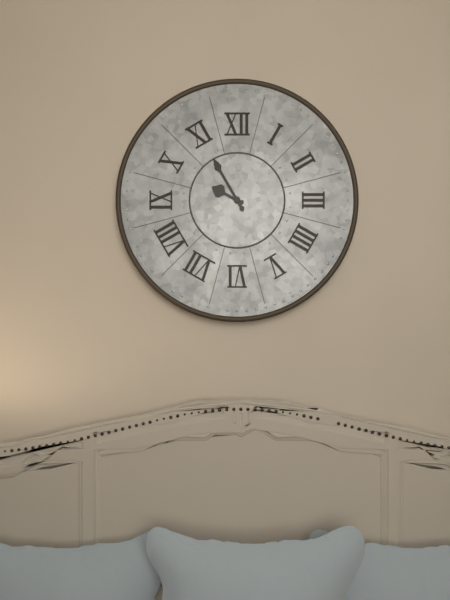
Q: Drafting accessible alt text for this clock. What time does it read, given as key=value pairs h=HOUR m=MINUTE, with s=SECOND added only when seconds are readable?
h=9 m=55
